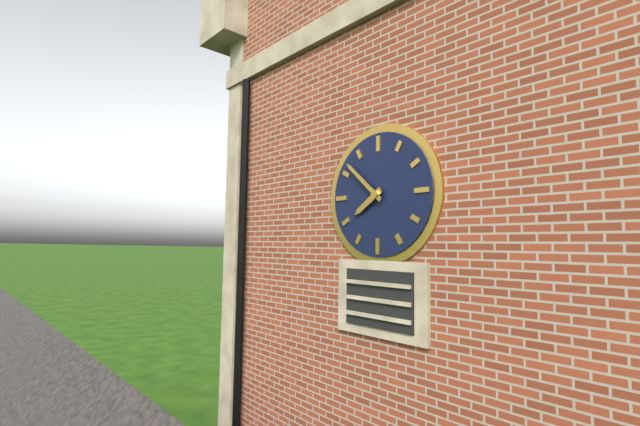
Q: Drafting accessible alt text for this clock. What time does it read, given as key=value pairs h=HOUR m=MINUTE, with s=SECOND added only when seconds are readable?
h=7 m=52
